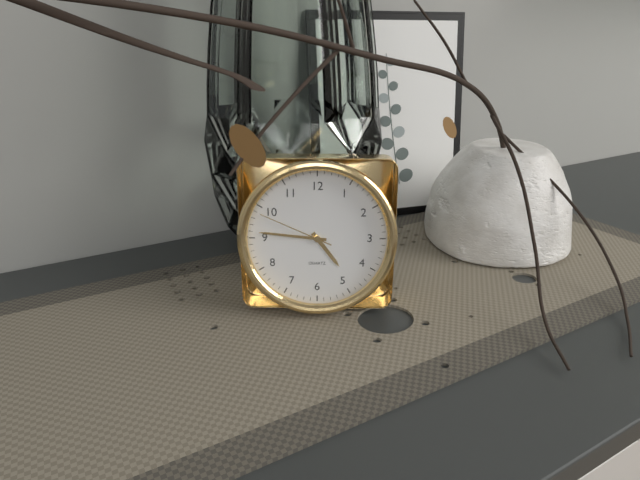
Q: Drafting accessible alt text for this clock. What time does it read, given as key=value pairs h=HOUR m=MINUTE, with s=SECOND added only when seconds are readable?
h=4 m=46 s=49
